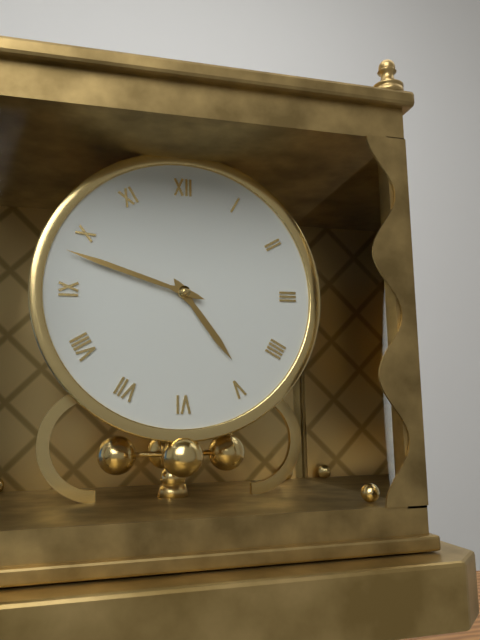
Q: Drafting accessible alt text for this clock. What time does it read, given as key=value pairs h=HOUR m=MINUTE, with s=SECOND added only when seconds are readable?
h=4 m=48
